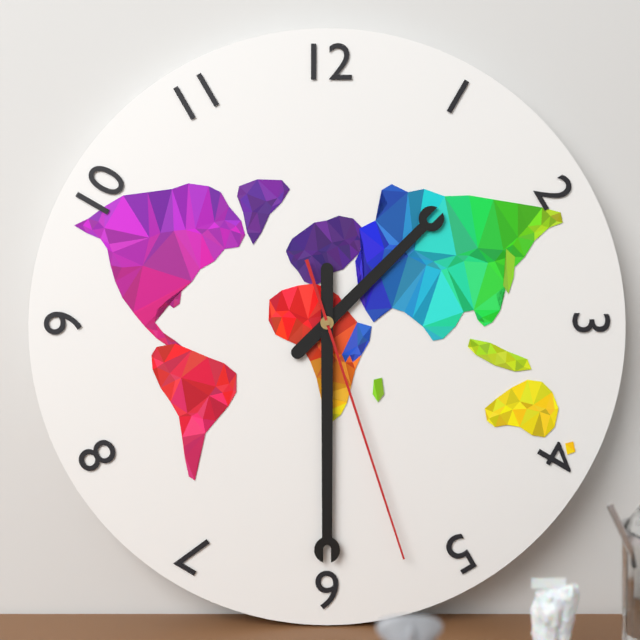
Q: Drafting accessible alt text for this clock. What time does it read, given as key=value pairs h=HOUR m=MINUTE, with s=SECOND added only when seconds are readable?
h=1 m=30 s=27
